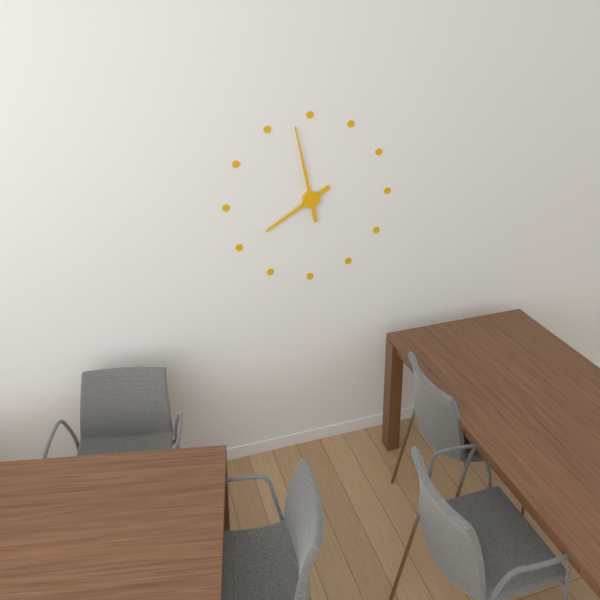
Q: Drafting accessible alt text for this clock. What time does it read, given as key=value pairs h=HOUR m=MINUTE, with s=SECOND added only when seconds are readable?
h=7 m=58
